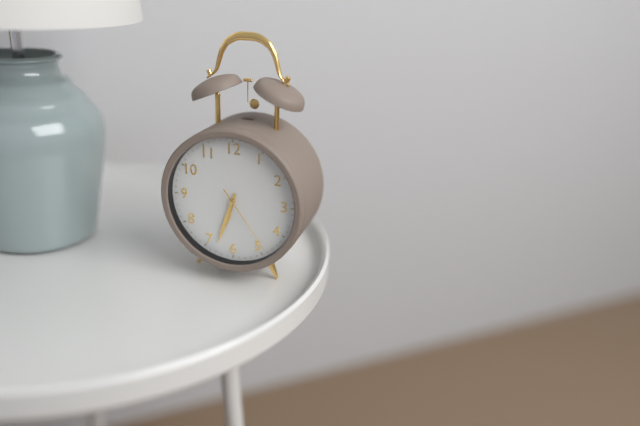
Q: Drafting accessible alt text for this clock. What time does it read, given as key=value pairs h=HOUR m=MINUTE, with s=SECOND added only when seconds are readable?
h=6 m=33 s=24
